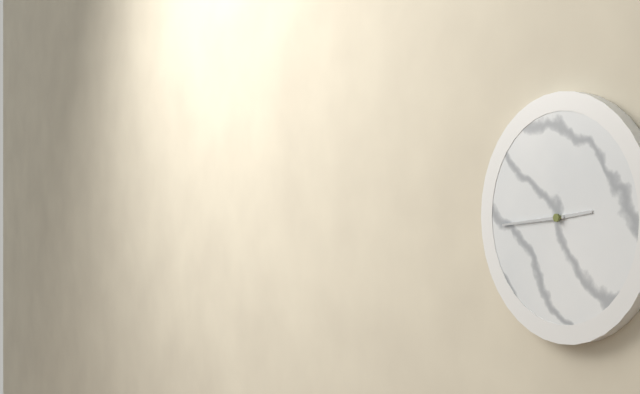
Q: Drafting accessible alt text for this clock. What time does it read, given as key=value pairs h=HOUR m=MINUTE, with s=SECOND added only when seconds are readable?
h=2 m=44
